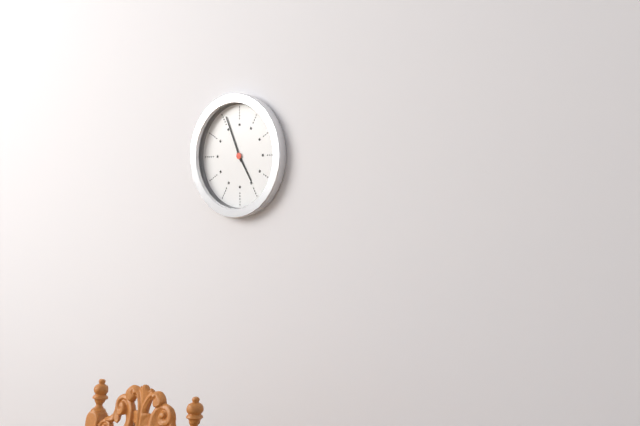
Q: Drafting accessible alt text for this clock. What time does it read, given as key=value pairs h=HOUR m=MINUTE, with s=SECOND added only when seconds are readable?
h=4 m=56
